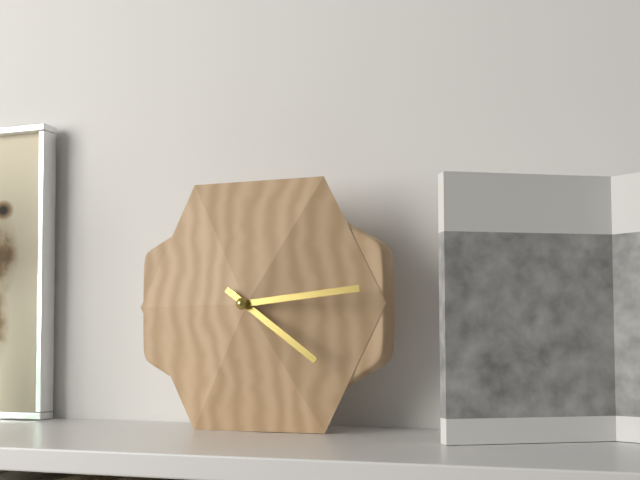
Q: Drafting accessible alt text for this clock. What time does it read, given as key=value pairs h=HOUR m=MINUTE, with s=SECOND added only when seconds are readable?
h=4 m=14
